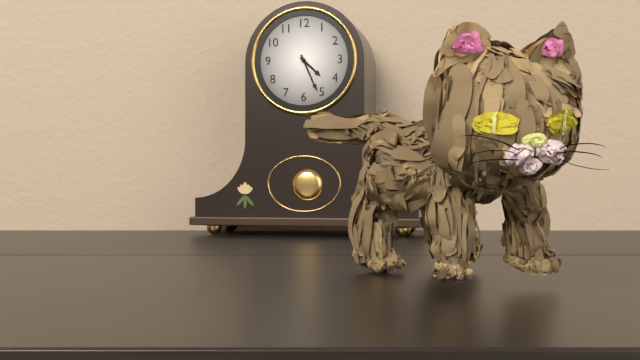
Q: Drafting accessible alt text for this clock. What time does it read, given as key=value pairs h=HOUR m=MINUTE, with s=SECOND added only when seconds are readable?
h=4 m=26
